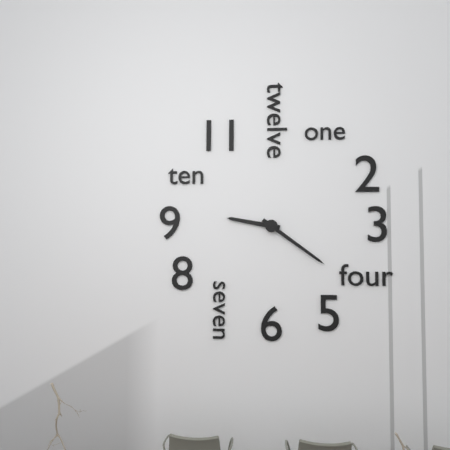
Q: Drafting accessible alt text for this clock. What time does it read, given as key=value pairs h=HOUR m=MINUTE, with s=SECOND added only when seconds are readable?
h=9 m=21
